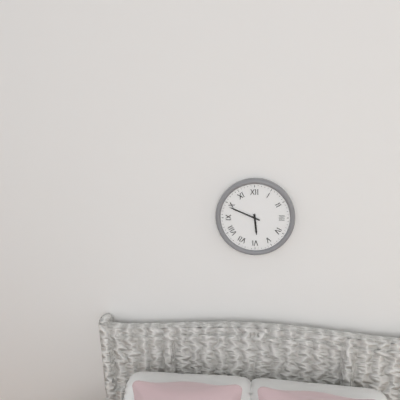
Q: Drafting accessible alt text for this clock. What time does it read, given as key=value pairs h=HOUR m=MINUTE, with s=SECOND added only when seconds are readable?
h=5 m=49
